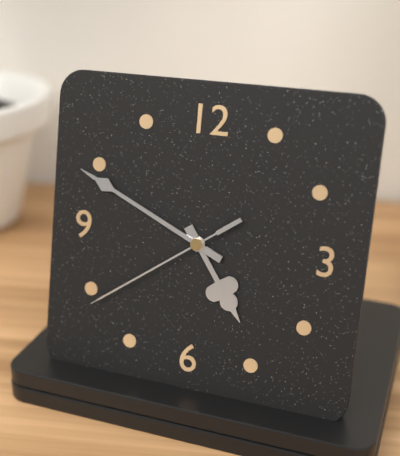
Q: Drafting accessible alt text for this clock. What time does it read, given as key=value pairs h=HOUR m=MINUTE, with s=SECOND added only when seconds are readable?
h=4 m=49 s=39
